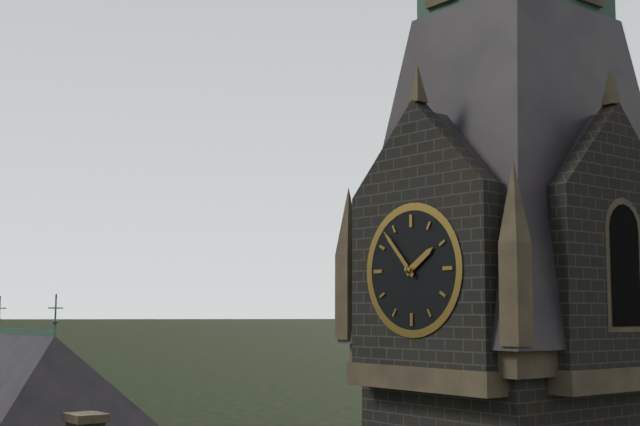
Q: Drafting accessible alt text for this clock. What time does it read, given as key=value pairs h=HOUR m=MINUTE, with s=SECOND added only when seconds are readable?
h=1 m=53
